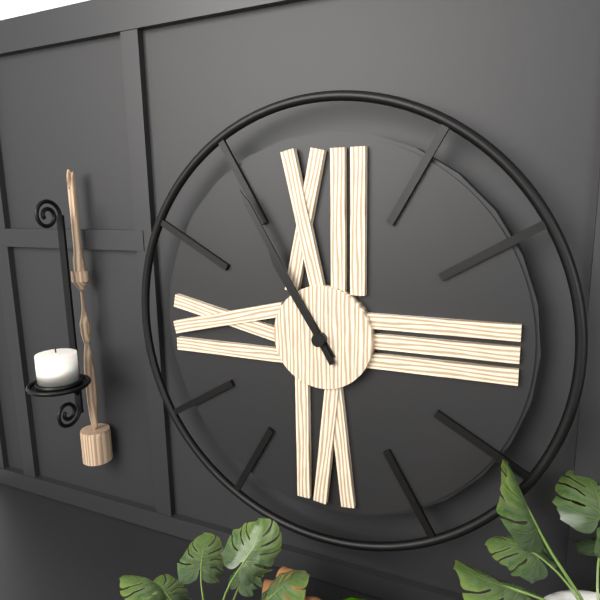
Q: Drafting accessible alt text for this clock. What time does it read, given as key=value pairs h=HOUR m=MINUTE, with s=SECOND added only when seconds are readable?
h=10 m=55
